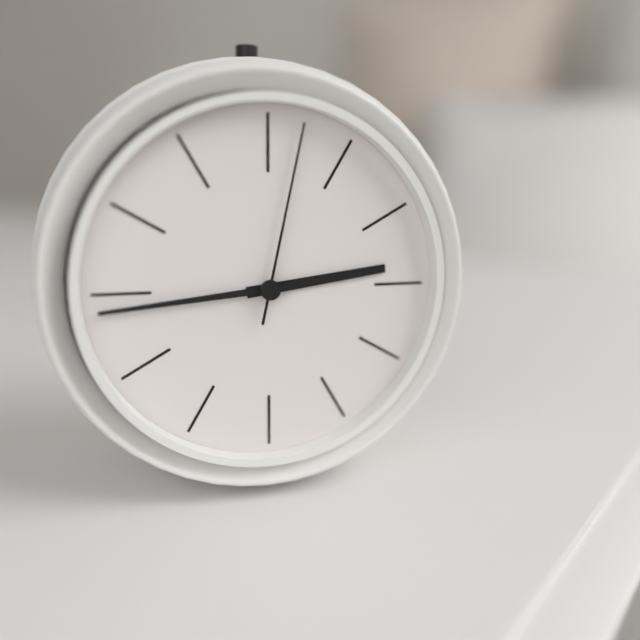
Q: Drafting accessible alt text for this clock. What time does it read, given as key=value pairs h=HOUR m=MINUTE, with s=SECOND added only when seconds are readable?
h=2 m=44 s=2
